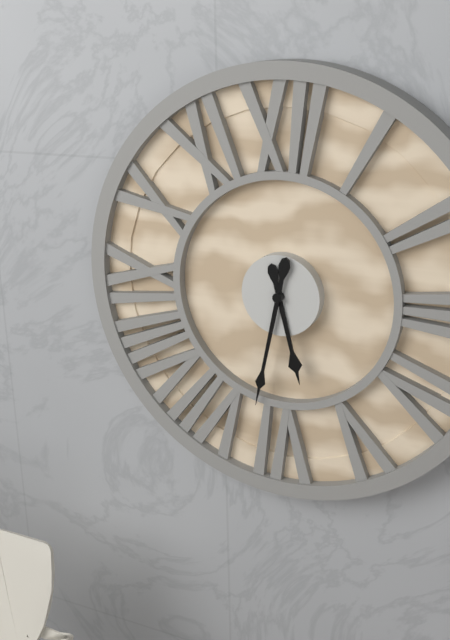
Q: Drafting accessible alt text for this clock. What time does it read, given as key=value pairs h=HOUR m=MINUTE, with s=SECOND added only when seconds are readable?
h=5 m=32
